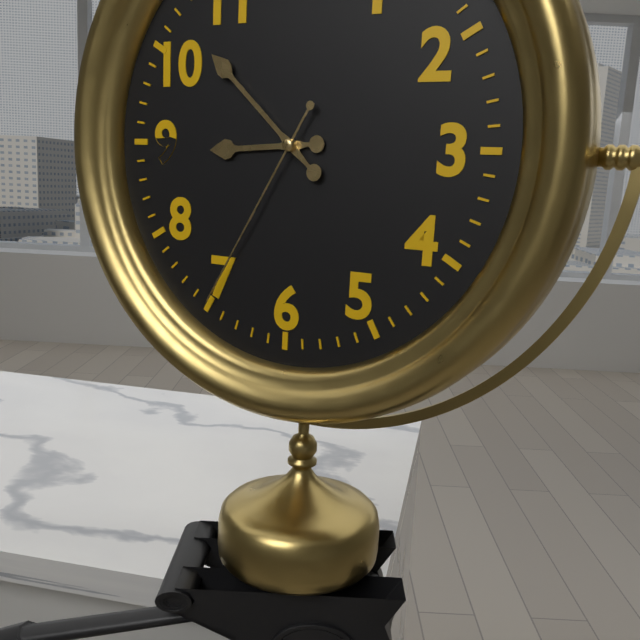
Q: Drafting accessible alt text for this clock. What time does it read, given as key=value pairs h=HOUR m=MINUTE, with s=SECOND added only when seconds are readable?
h=8 m=52 s=35
